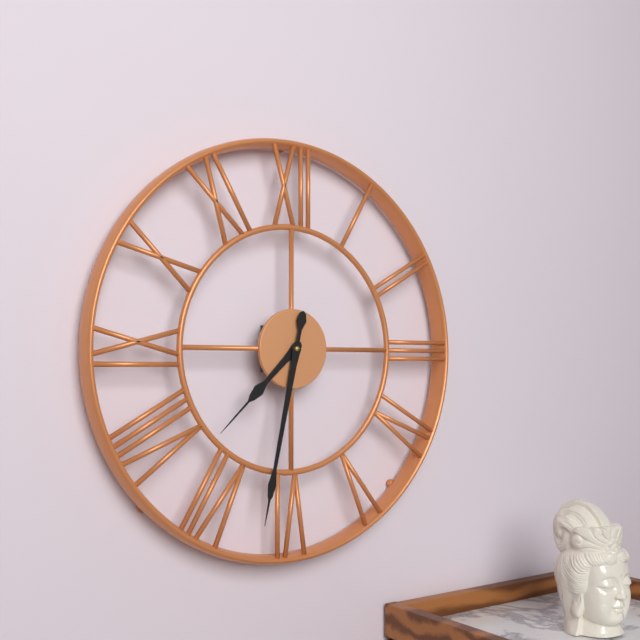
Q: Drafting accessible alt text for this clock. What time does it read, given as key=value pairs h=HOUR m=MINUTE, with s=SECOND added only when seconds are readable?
h=7 m=32
